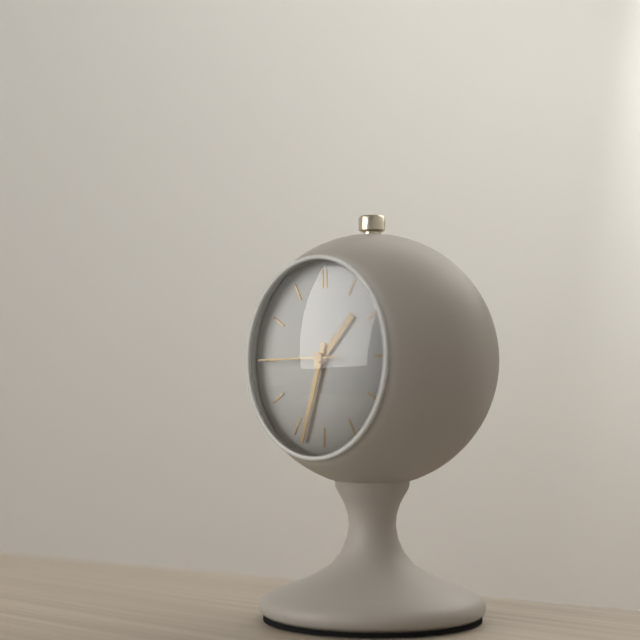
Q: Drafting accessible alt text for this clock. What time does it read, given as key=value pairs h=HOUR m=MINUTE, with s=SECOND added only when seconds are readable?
h=1 m=33 s=45
